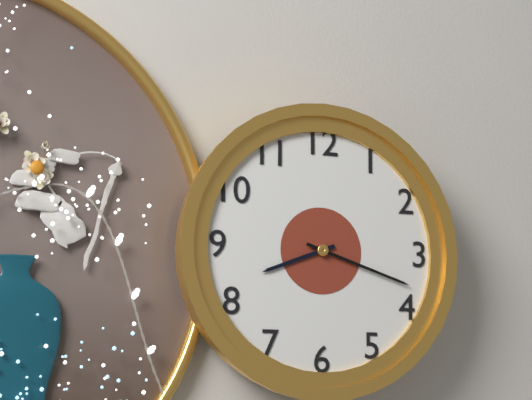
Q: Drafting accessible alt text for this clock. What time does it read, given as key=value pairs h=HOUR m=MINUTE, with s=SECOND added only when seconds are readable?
h=8 m=18
